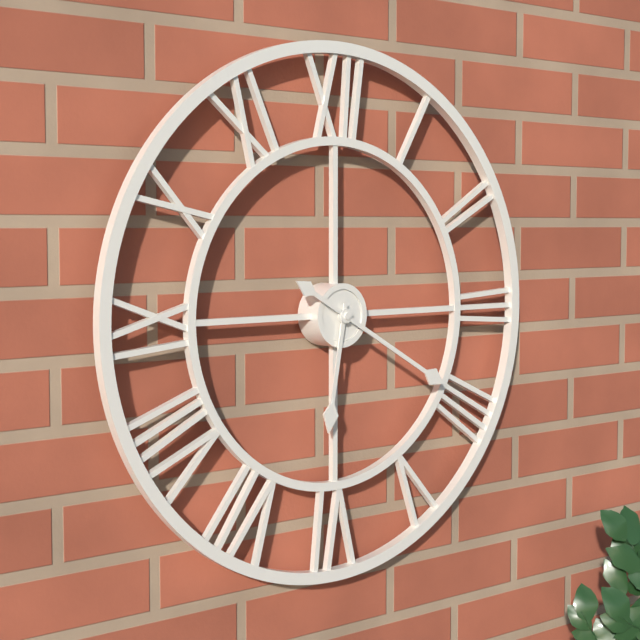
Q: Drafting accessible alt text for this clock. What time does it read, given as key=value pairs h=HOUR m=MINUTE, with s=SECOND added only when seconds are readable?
h=6 m=20
